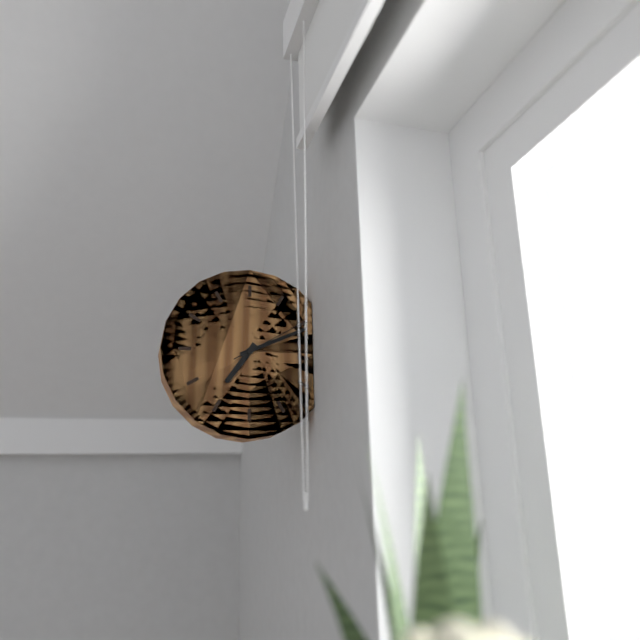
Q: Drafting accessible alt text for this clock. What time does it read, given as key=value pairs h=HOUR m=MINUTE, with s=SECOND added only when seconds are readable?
h=7 m=11 s=10
